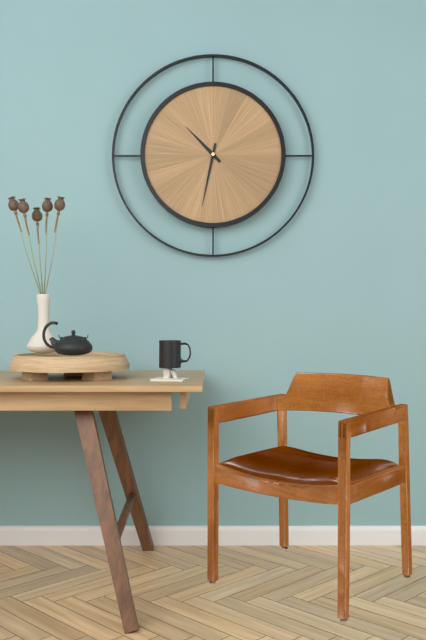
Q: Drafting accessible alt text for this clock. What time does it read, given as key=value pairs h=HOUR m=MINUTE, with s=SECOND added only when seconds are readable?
h=10 m=32
